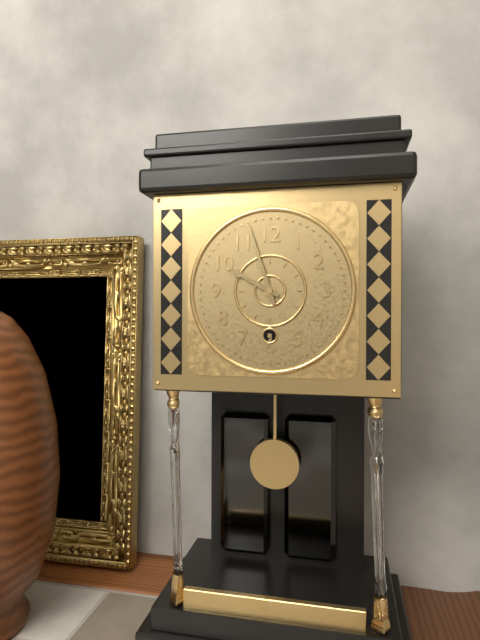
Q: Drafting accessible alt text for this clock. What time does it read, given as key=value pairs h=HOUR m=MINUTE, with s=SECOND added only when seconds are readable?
h=9 m=57
